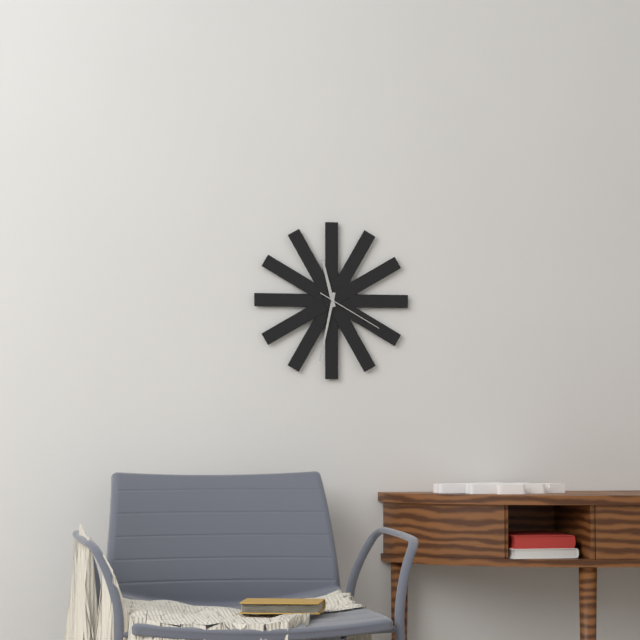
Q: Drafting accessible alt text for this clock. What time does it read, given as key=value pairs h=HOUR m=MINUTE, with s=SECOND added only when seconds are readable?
h=11 m=32 s=20
